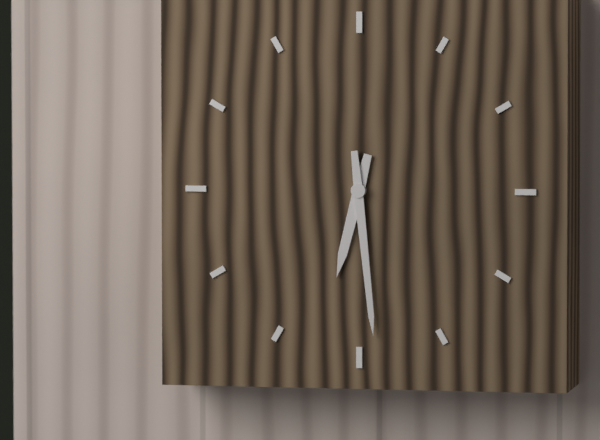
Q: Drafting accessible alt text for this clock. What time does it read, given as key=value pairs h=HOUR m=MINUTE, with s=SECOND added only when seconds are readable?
h=6 m=29
